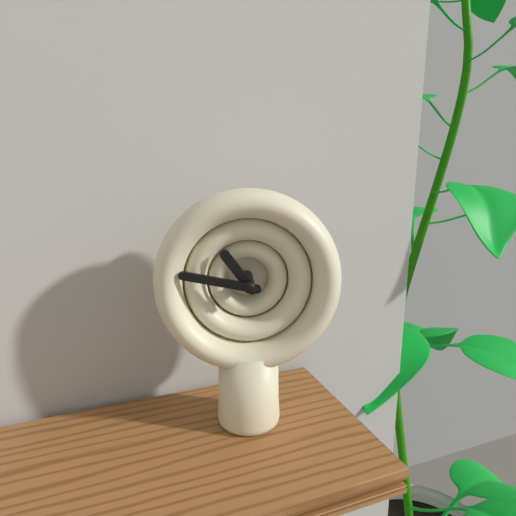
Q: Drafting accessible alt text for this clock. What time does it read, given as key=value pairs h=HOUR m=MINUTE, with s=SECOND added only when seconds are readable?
h=10 m=47
